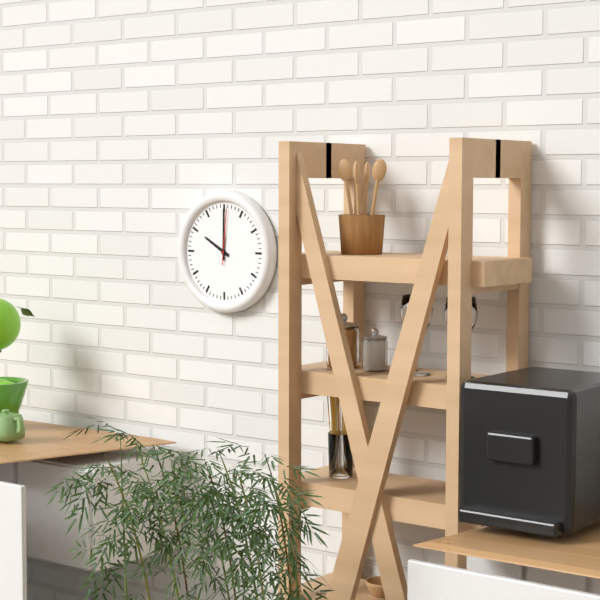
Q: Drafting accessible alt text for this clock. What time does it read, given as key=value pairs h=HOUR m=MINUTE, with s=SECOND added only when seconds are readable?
h=10 m=0 s=1
